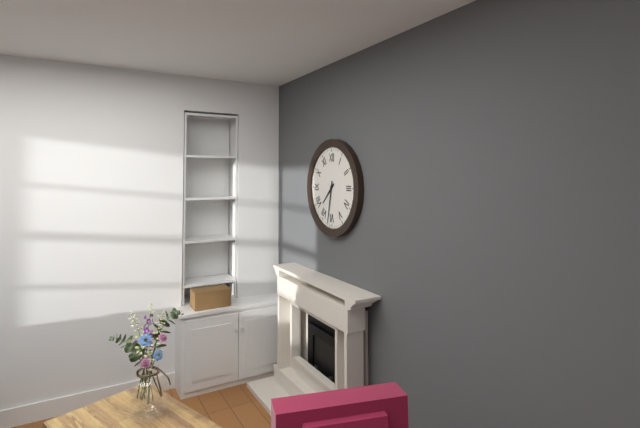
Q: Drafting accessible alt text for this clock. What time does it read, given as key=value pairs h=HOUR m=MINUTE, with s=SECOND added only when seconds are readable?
h=7 m=32
